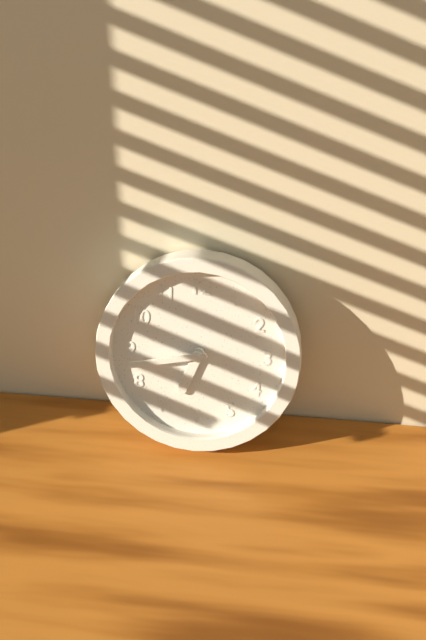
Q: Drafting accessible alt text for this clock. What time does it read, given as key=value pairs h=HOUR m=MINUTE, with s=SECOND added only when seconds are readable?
h=6 m=43
